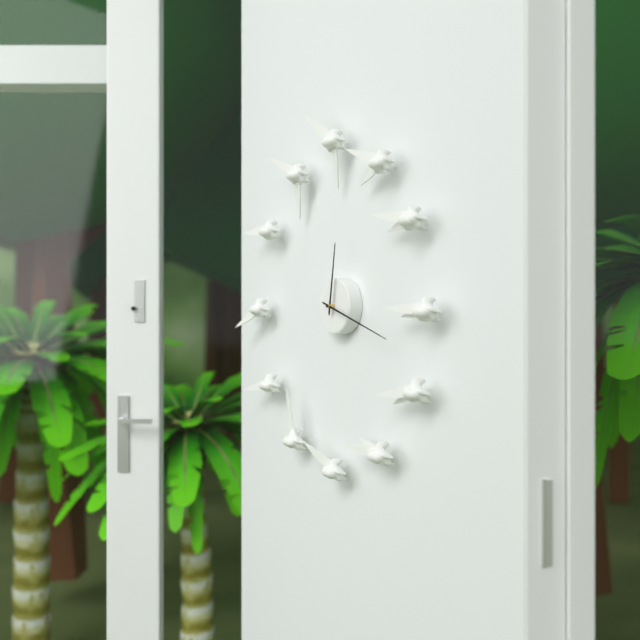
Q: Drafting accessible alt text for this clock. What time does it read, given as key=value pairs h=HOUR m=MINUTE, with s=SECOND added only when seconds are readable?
h=12 m=18
